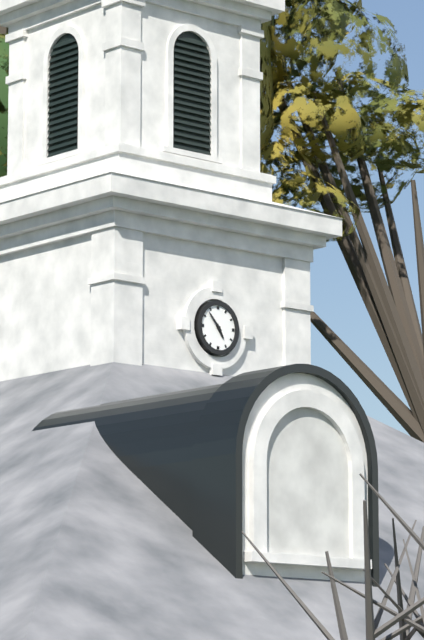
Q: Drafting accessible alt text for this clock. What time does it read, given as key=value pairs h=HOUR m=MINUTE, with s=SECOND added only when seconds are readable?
h=4 m=53
